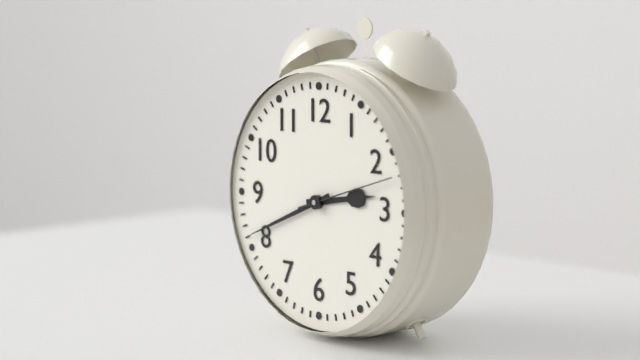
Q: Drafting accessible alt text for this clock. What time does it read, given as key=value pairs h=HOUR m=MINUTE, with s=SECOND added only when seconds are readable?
h=2 m=41 s=12
